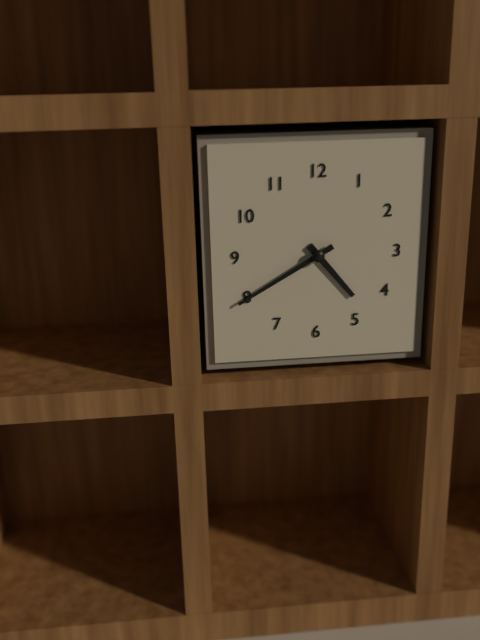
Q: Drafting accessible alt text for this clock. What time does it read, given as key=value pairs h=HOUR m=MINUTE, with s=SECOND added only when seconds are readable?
h=4 m=40
